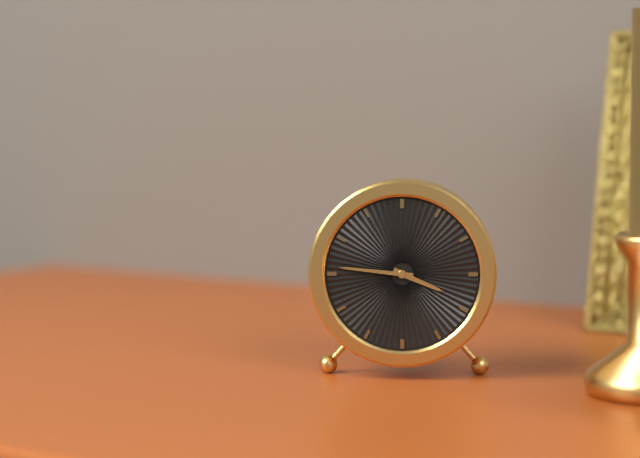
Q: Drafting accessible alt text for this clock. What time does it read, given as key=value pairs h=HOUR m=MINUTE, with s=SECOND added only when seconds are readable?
h=3 m=46
